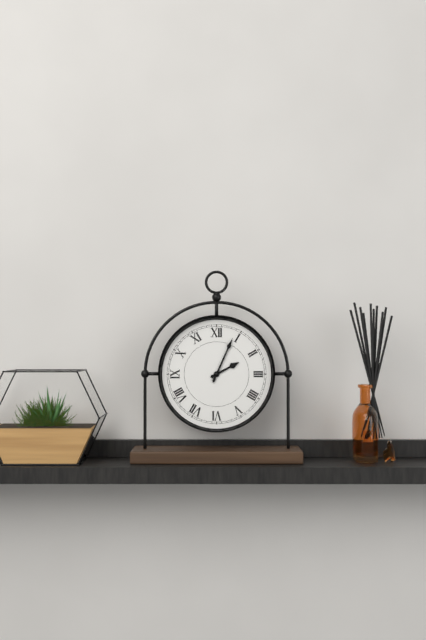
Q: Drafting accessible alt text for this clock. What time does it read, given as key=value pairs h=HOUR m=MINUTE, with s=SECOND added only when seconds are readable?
h=2 m=4
